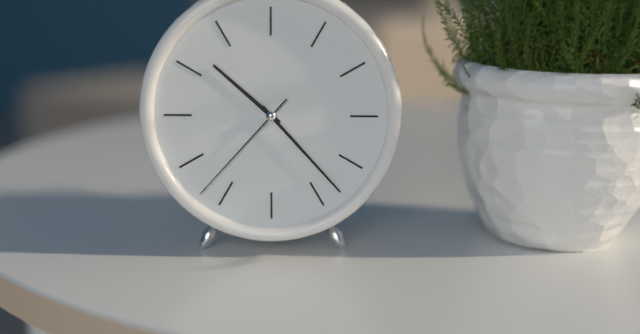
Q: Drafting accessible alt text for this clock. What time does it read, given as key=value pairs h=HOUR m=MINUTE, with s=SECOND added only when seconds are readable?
h=10 m=23 s=37
